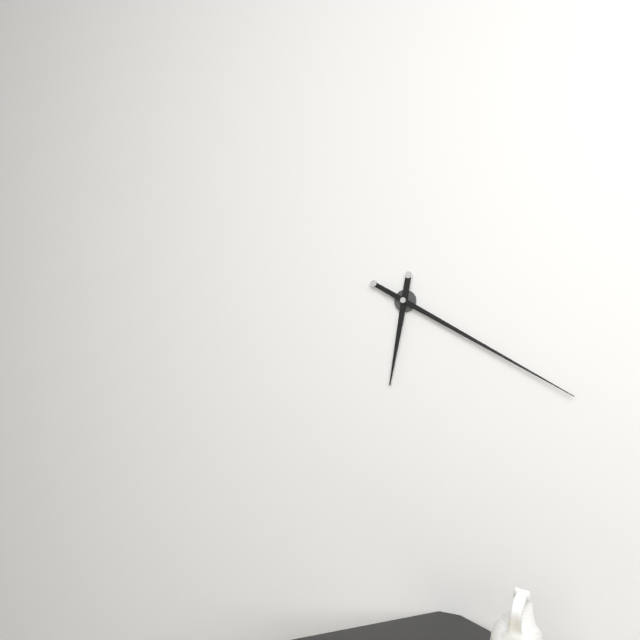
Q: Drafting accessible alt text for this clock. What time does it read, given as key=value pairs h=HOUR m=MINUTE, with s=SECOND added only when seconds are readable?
h=6 m=20
